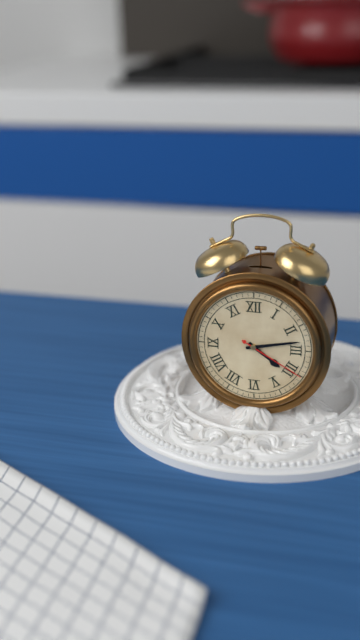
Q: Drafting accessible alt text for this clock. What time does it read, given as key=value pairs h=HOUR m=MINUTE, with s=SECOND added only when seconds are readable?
h=4 m=13 s=20
